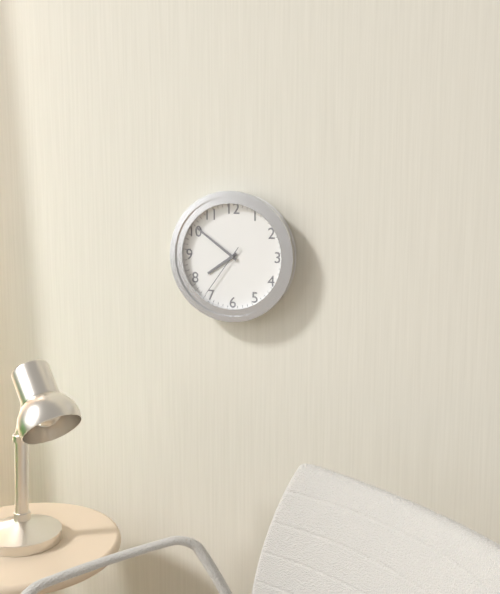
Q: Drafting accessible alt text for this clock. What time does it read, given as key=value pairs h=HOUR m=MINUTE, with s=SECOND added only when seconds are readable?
h=7 m=51 s=36
